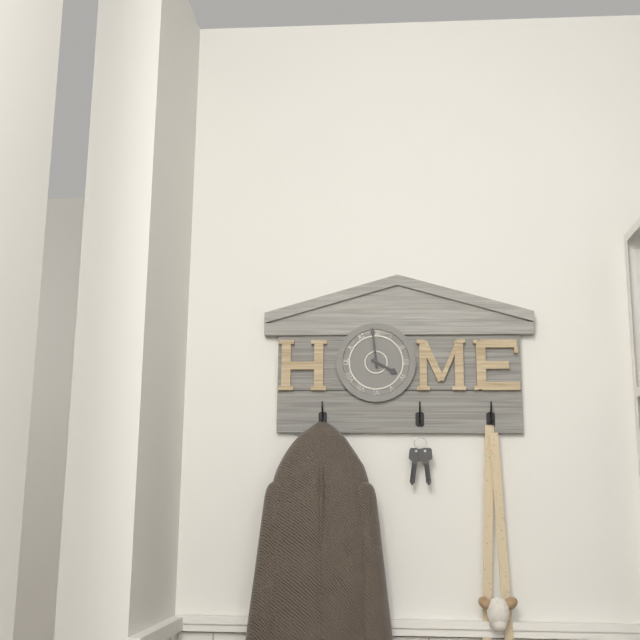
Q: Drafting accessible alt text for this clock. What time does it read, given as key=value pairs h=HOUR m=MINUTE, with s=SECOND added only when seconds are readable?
h=3 m=59
